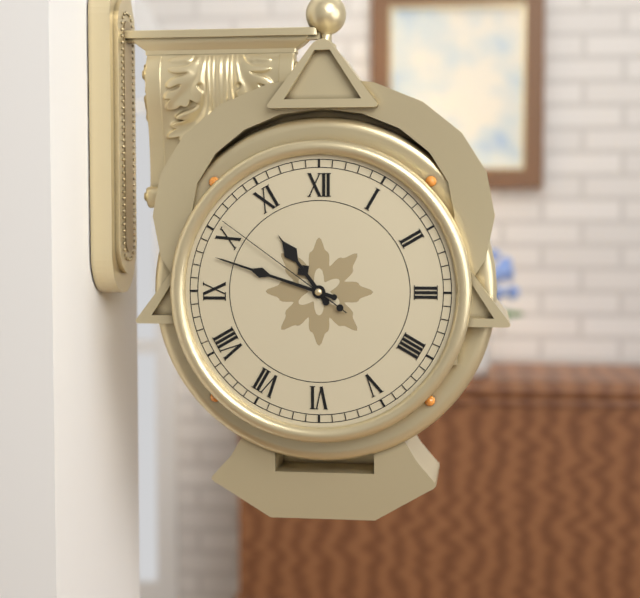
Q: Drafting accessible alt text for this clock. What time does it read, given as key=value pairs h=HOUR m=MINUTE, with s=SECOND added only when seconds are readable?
h=10 m=48 s=51
